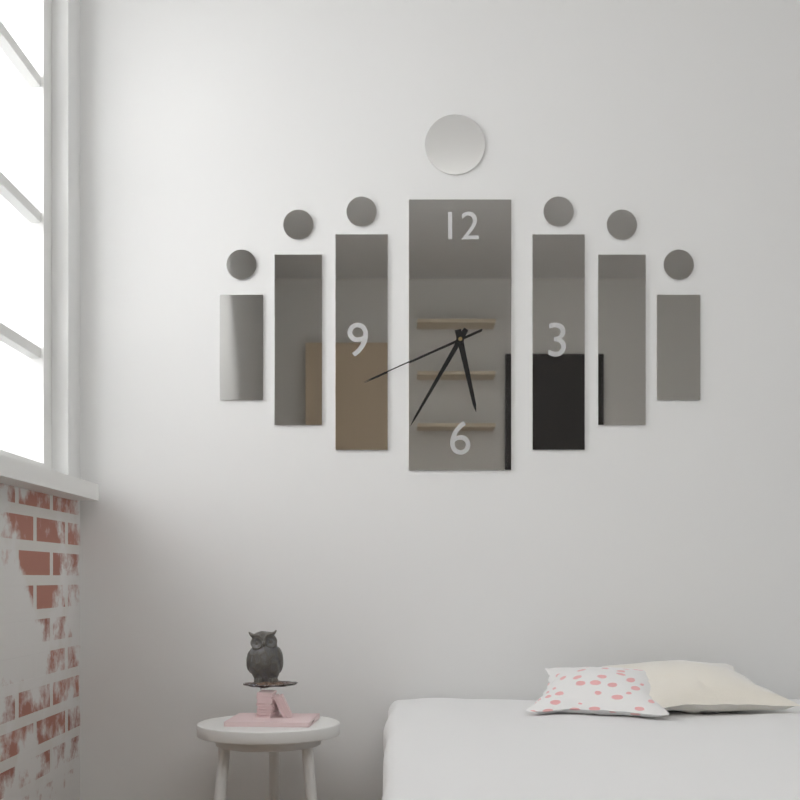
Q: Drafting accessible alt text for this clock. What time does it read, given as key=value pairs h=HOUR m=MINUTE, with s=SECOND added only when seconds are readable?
h=5 m=35 s=41
